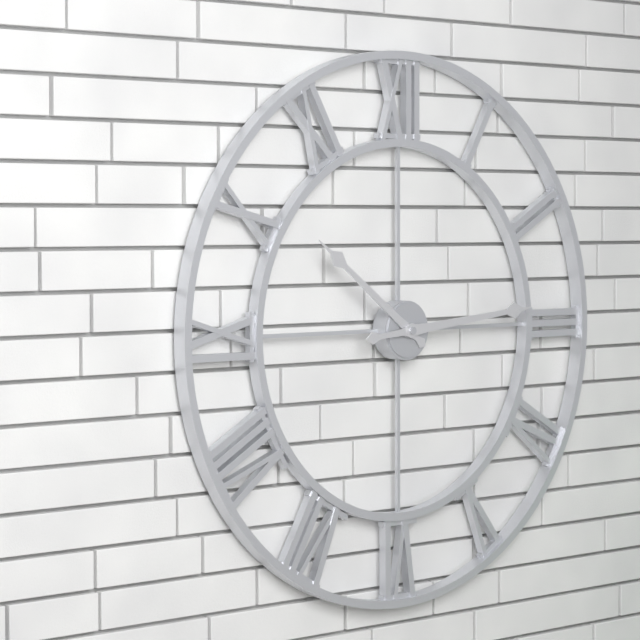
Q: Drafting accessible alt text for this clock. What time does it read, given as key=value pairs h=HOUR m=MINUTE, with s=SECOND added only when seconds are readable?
h=10 m=14
